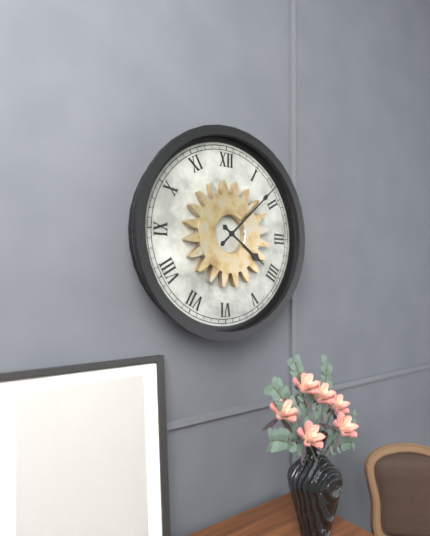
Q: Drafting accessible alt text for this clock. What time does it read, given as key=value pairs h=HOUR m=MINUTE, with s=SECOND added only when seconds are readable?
h=4 m=8
